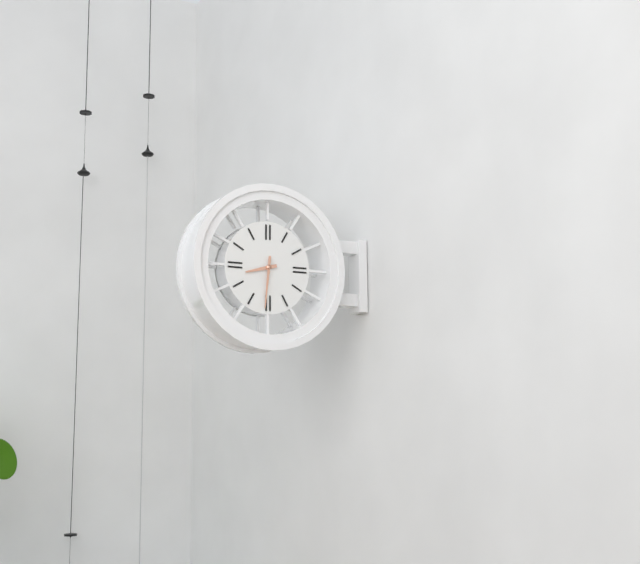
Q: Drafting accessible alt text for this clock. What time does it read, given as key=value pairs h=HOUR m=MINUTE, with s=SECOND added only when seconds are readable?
h=8 m=31
